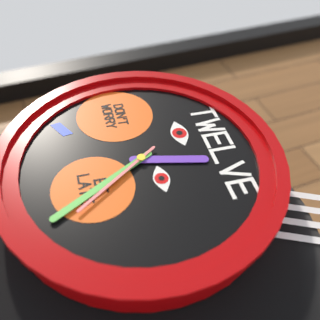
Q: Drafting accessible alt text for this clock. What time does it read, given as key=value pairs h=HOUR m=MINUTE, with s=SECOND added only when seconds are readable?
h=12 m=25 s=24
